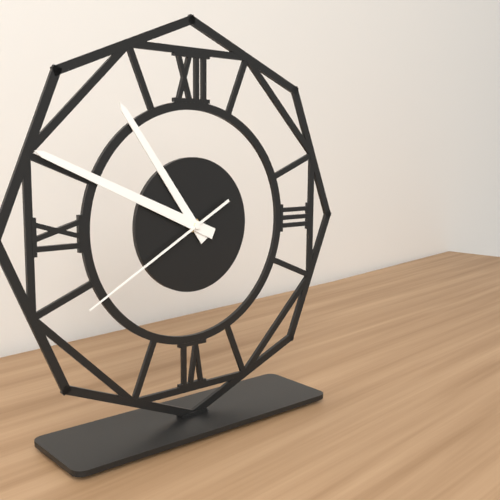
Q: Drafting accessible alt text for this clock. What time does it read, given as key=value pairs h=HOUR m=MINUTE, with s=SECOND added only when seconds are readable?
h=10 m=49 s=40
